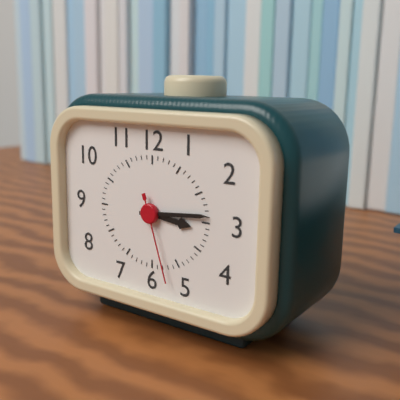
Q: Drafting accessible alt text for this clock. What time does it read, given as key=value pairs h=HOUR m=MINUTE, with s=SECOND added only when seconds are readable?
h=3 m=14 s=27
